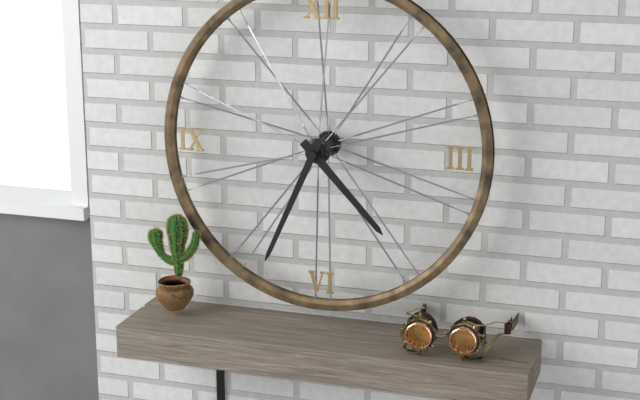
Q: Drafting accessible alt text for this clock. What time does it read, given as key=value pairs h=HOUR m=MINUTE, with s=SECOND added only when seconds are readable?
h=4 m=34
